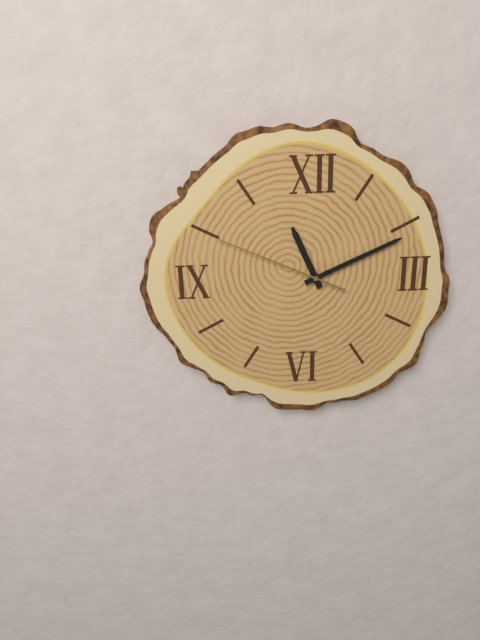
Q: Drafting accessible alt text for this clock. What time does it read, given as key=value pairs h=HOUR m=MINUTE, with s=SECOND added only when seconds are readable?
h=11 m=11 s=49
